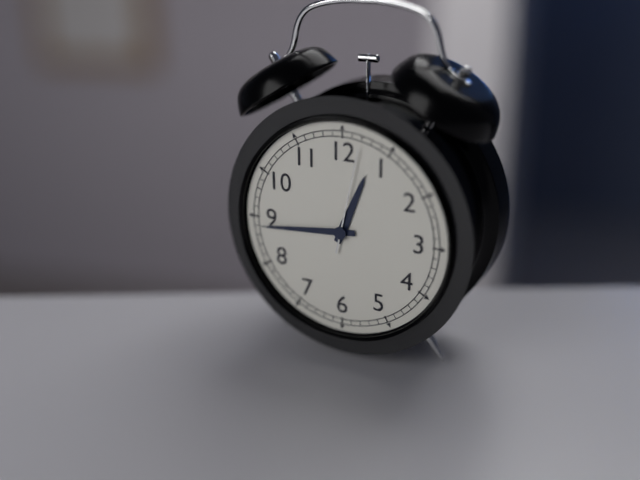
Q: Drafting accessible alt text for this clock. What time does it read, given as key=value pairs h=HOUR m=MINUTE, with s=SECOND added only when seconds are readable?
h=12 m=44 s=2
